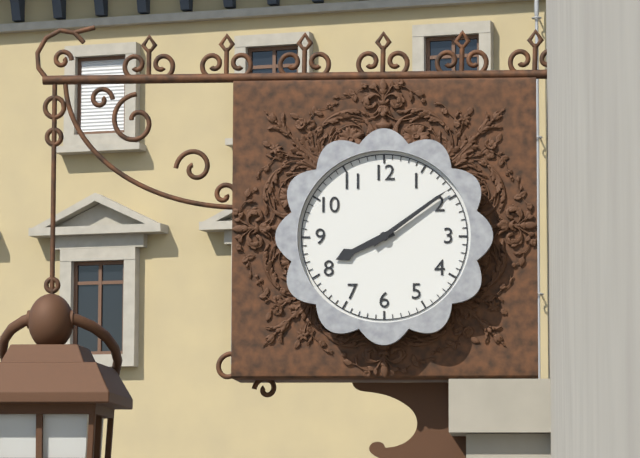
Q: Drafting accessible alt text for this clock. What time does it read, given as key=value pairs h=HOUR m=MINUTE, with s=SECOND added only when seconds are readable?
h=8 m=9
